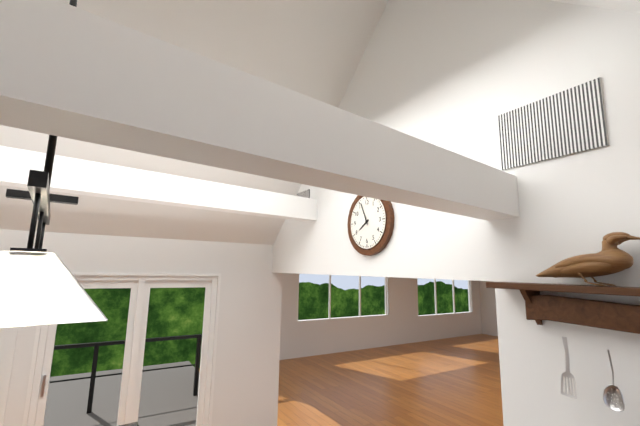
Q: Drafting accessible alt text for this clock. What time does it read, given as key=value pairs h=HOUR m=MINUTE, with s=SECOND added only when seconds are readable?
h=7 m=56
